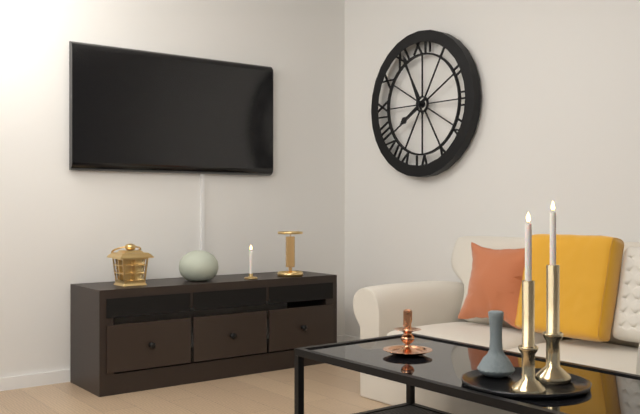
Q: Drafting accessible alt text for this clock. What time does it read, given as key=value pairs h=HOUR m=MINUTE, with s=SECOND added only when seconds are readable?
h=7 m=56
